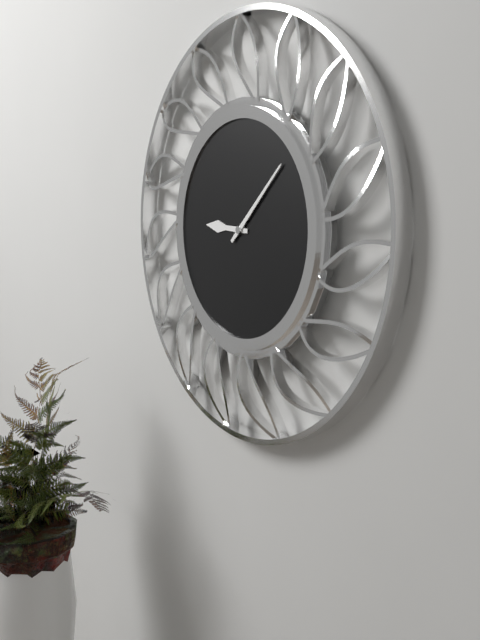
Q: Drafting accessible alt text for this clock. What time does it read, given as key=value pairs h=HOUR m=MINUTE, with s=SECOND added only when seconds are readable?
h=9 m=8
